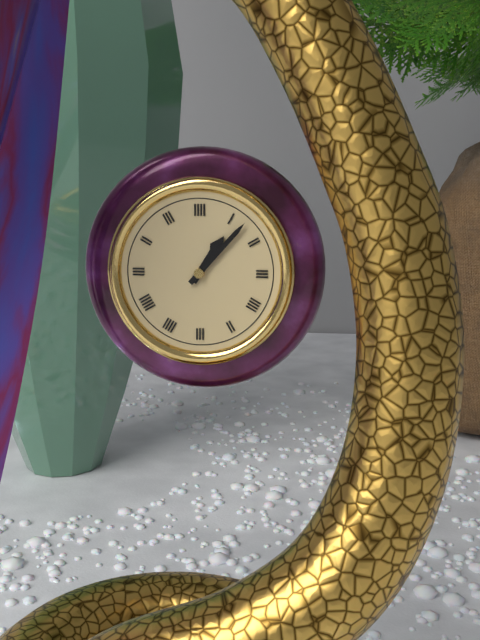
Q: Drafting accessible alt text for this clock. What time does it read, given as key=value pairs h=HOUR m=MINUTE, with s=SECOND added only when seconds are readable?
h=1 m=7
